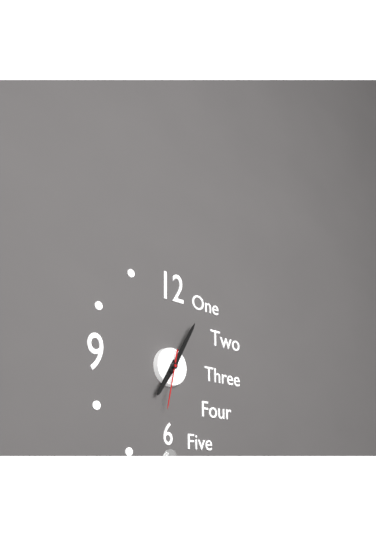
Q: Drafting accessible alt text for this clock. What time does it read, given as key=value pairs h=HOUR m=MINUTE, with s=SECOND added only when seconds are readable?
h=7 m=5 s=32
